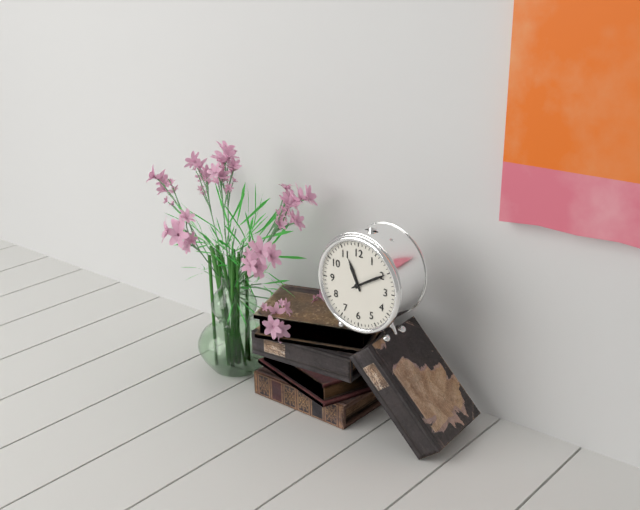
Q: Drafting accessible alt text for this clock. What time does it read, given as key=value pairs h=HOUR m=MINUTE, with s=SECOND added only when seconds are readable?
h=11 m=10
